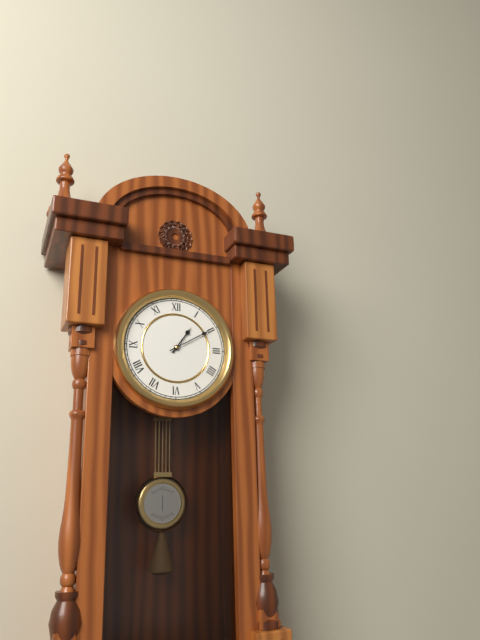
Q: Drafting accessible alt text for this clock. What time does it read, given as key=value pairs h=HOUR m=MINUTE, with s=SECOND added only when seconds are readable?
h=1 m=10
